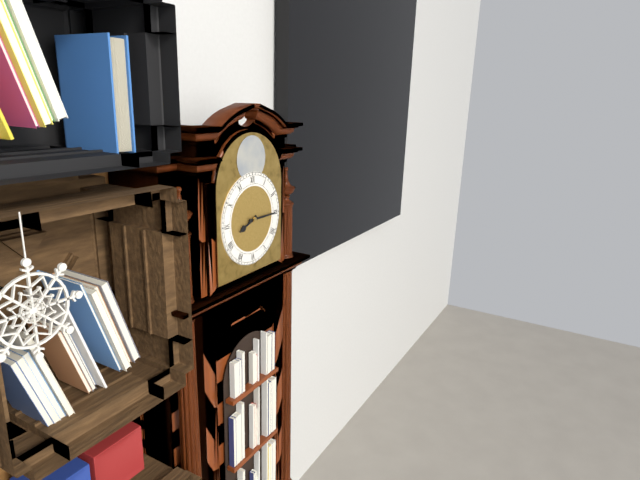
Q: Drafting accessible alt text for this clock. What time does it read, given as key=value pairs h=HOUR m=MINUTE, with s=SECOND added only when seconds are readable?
h=8 m=15
